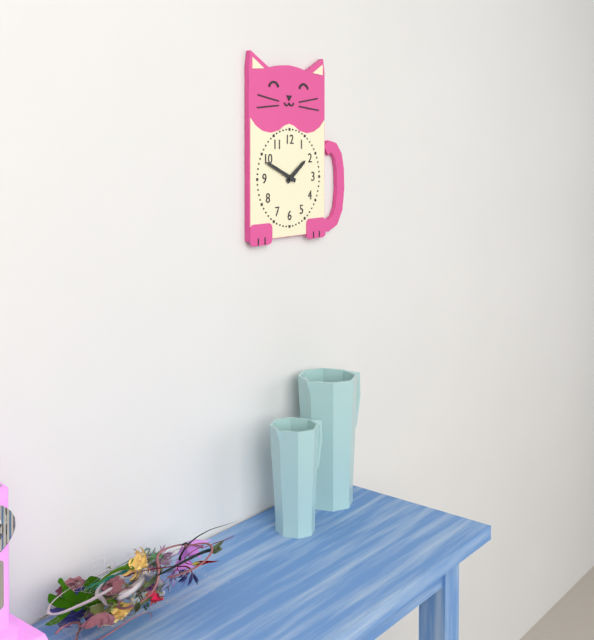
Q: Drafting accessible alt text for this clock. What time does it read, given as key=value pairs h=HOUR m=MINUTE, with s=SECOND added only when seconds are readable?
h=1 m=49
